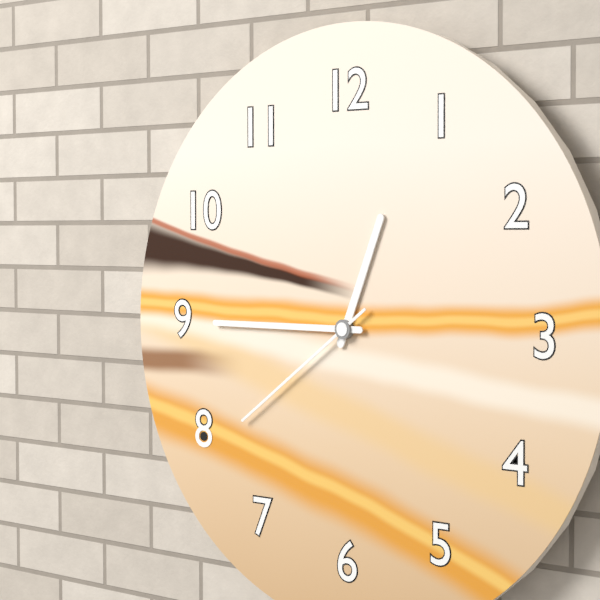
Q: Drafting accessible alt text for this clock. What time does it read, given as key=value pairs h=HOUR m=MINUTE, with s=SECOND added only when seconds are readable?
h=12 m=45 s=39
